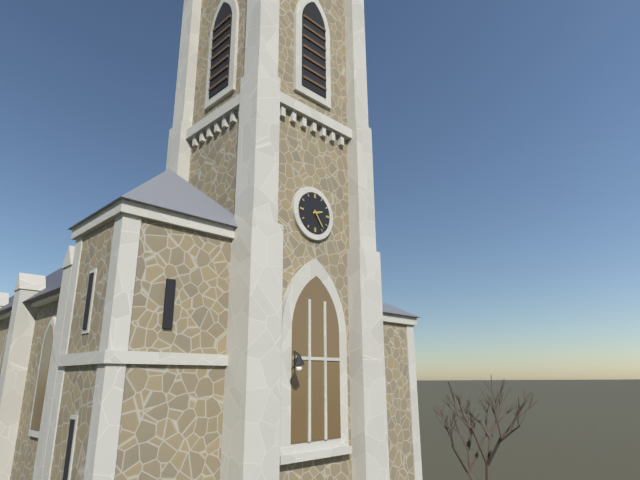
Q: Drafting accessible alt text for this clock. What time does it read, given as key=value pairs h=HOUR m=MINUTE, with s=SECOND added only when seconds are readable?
h=2 m=24
